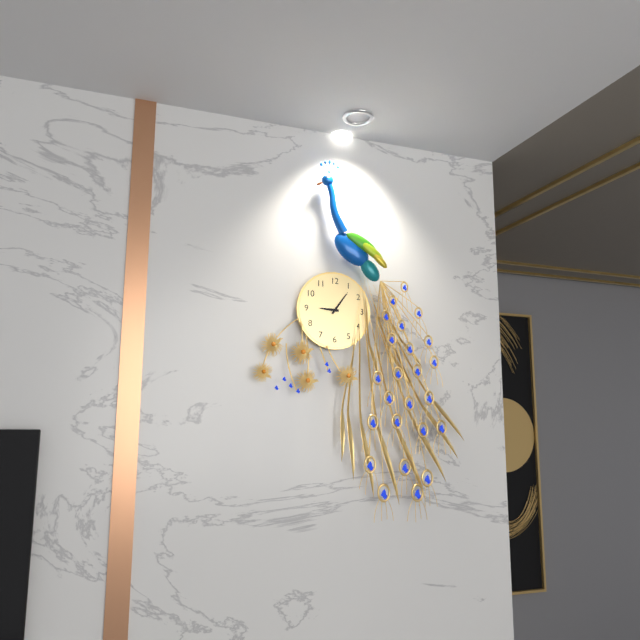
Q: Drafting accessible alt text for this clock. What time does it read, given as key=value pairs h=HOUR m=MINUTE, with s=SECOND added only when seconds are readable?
h=9 m=6
